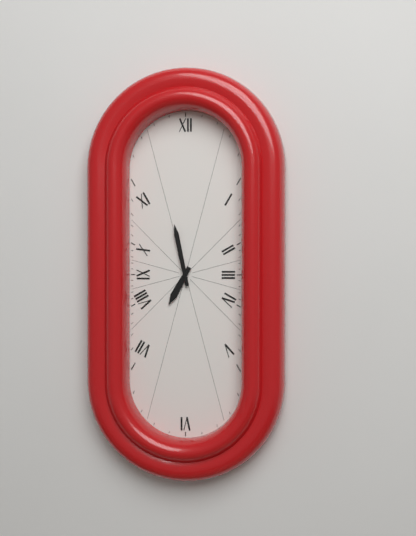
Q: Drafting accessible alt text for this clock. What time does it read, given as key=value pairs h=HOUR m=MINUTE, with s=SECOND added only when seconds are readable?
h=6 m=58
